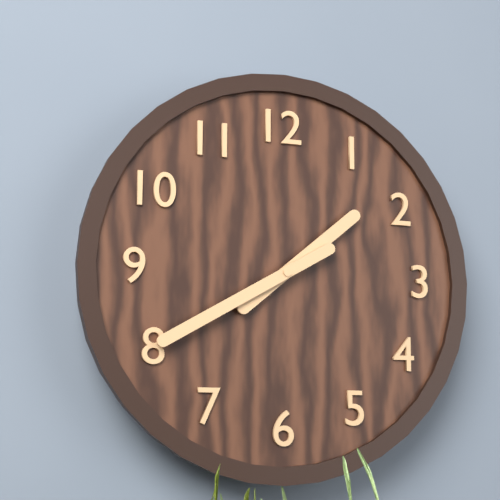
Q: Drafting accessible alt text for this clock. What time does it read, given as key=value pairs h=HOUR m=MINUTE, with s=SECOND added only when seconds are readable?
h=1 m=40
